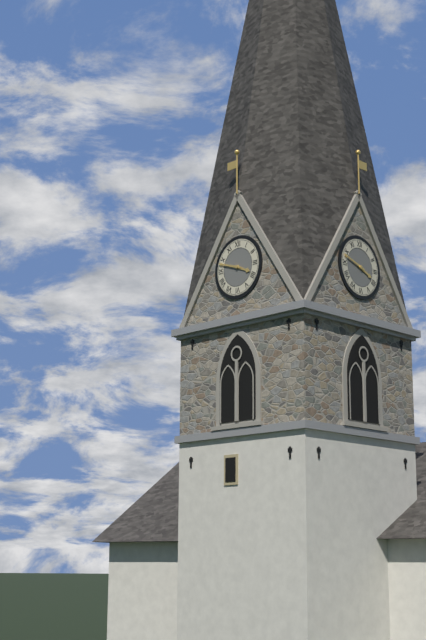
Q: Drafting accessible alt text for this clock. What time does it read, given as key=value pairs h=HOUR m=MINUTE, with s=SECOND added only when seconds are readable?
h=3 m=48
